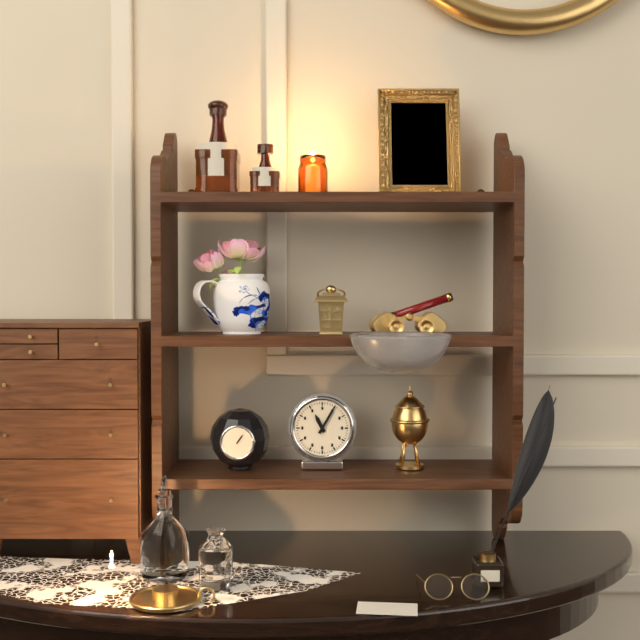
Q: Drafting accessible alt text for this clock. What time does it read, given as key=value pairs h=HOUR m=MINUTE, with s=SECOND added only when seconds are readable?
h=11 m=5
